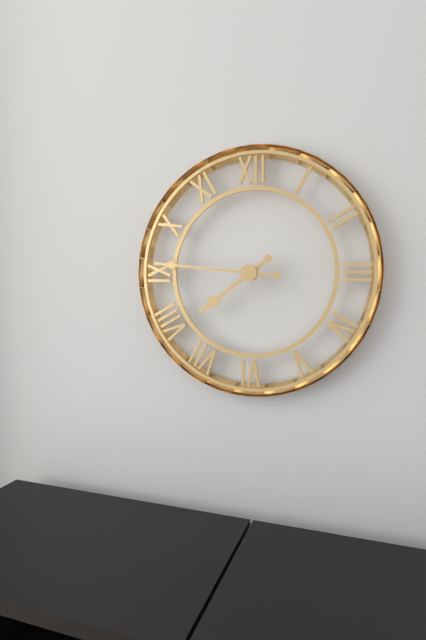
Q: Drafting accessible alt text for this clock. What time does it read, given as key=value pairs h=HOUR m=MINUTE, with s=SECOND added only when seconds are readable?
h=7 m=46
